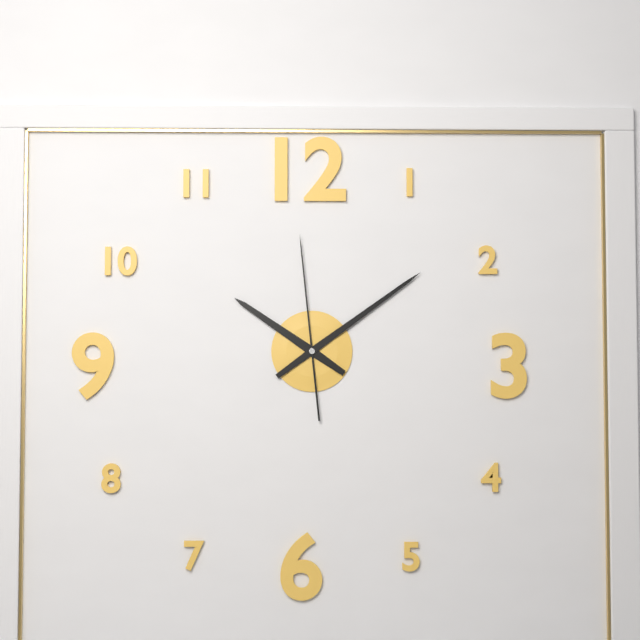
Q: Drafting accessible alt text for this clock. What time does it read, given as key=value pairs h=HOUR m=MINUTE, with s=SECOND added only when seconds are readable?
h=10 m=9 s=59
